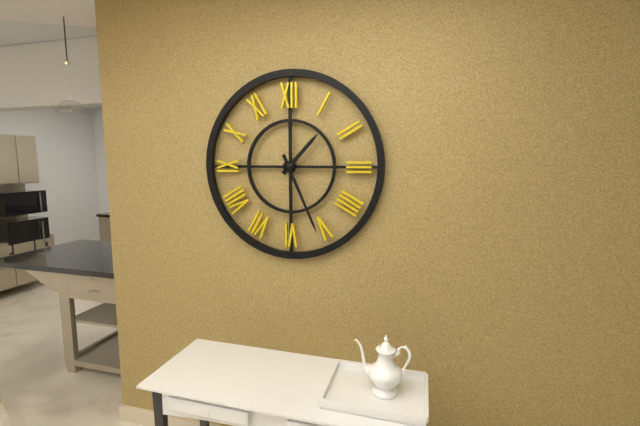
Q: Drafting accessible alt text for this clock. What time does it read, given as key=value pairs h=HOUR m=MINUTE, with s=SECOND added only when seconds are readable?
h=1 m=26
